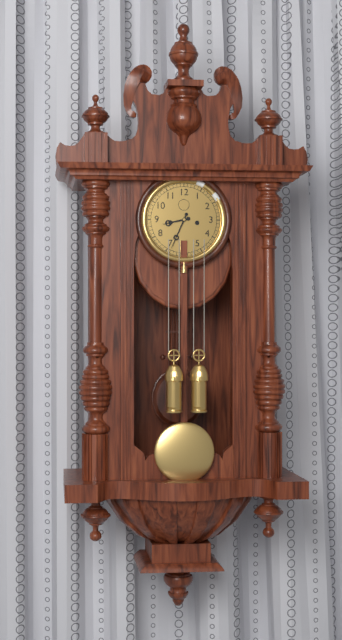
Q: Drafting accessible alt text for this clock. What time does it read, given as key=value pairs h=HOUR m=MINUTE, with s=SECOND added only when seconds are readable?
h=8 m=34
